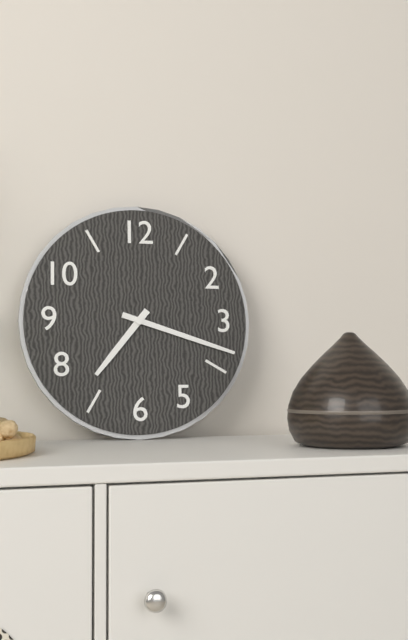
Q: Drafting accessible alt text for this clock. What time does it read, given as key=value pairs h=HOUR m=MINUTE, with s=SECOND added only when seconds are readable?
h=7 m=18
